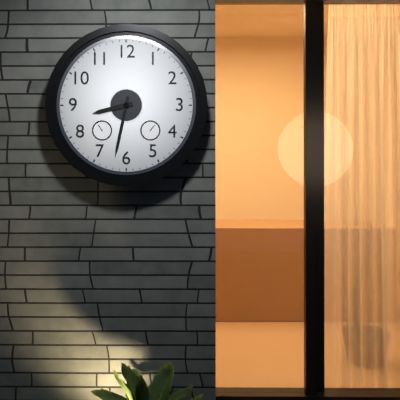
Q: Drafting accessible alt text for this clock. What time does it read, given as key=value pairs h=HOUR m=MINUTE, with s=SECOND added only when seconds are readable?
h=8 m=32
